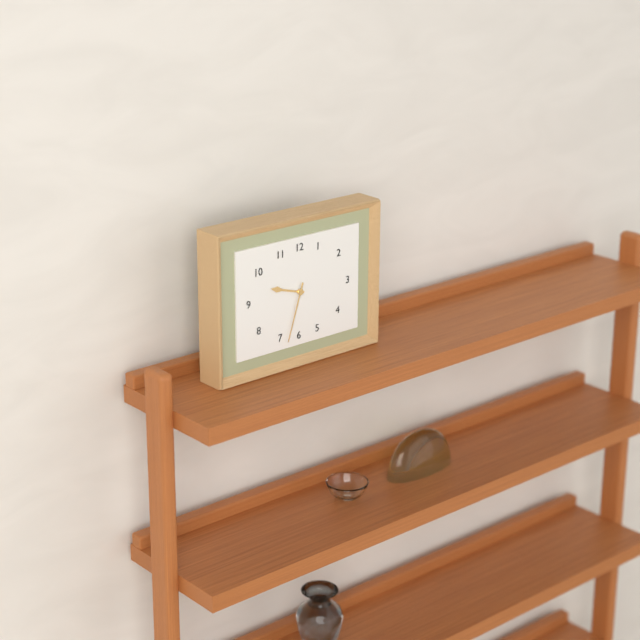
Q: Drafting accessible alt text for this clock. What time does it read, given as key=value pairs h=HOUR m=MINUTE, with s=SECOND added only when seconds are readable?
h=9 m=33
